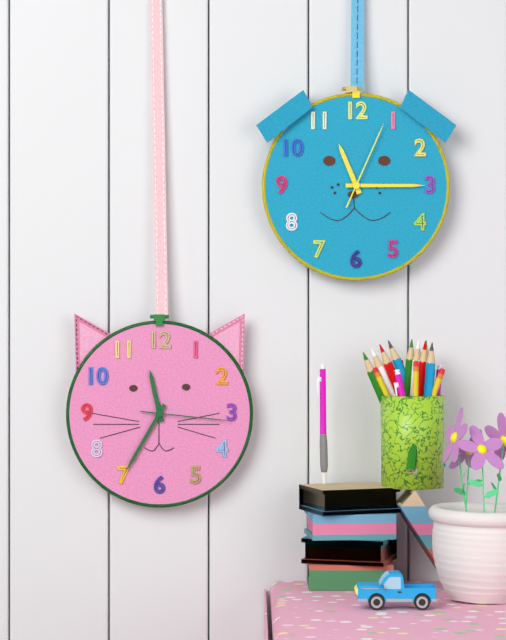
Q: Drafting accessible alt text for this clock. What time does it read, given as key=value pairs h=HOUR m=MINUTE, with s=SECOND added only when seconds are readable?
h=11 m=35 s=16
